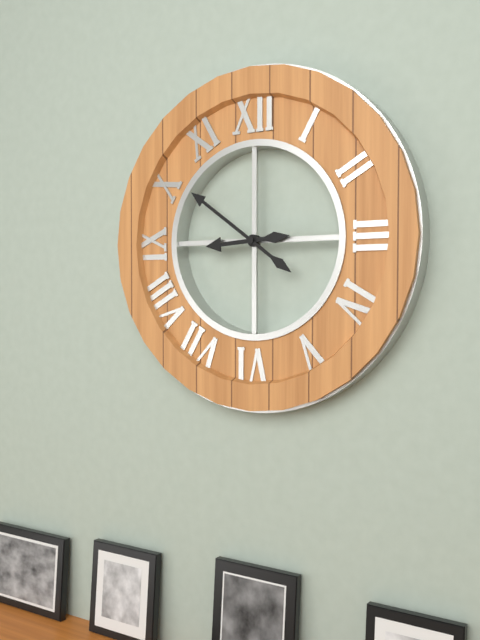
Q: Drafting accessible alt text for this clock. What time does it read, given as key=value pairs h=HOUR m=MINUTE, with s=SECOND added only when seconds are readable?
h=8 m=51
